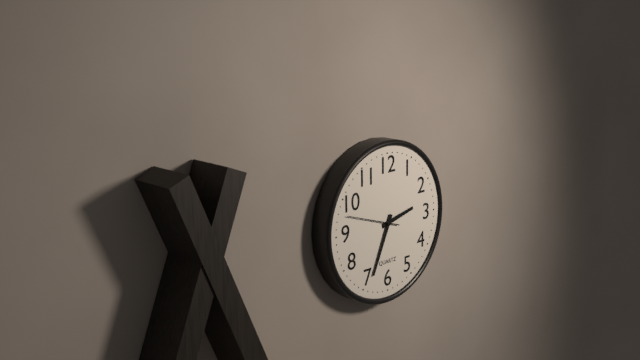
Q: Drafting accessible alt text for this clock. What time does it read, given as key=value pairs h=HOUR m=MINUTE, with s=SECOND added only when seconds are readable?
h=2 m=34 s=48
